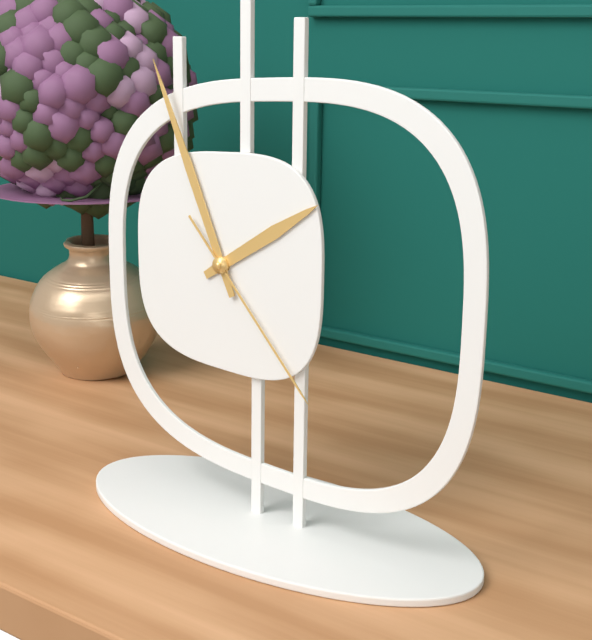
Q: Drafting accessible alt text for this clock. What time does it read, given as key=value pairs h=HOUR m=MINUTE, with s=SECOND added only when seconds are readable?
h=1 m=56 s=23
